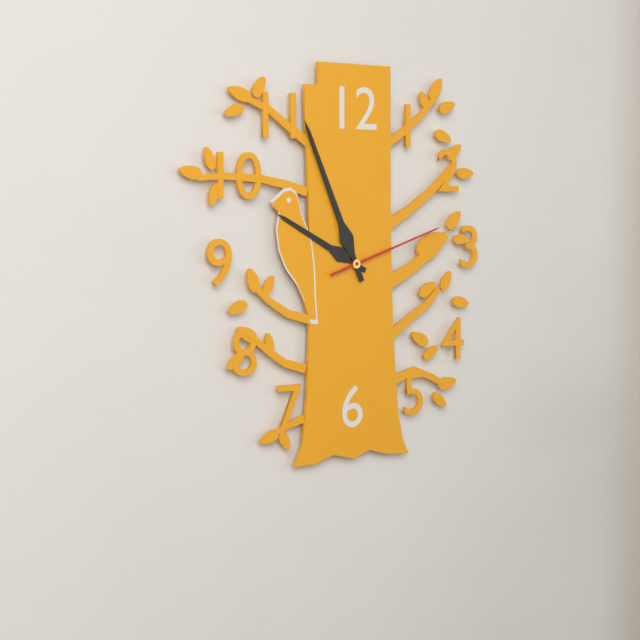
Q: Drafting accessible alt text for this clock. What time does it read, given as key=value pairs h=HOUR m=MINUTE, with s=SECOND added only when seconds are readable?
h=9 m=56 s=12
